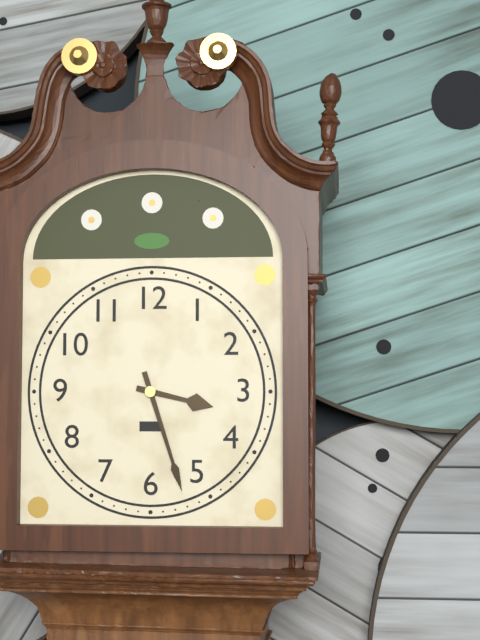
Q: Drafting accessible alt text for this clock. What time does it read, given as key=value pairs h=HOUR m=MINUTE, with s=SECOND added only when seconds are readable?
h=3 m=27
